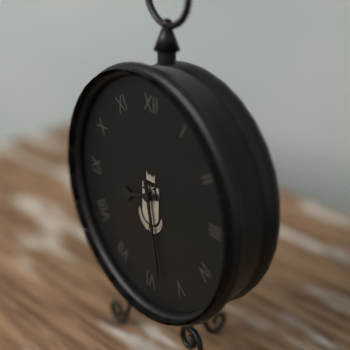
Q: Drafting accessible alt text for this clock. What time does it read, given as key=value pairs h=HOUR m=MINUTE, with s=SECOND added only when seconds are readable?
h=8 m=28
